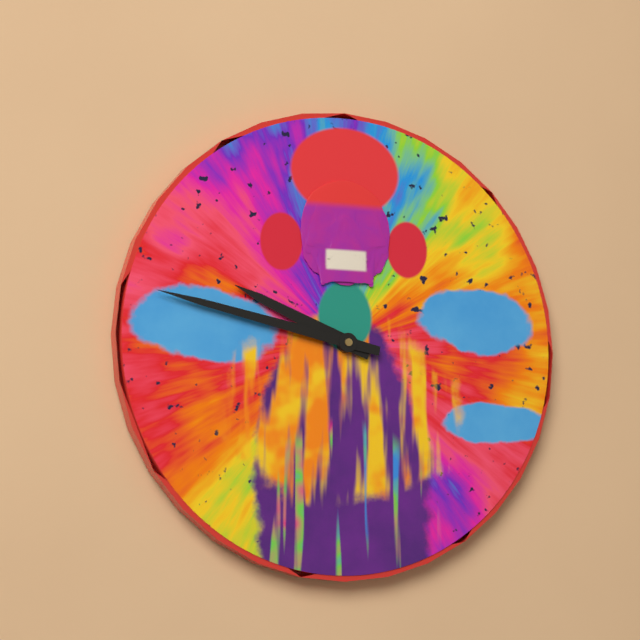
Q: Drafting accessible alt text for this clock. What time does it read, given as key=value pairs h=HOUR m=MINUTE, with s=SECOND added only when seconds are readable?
h=9 m=47
